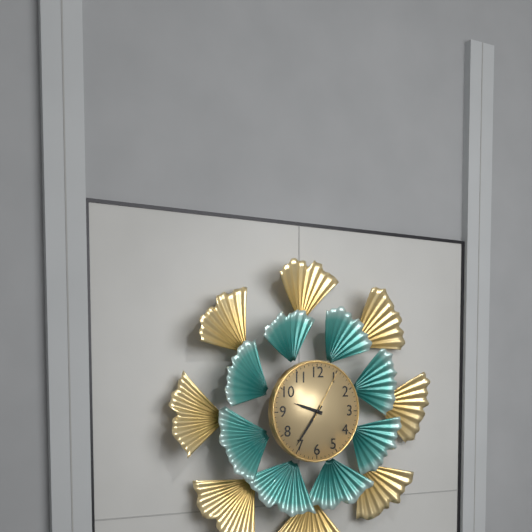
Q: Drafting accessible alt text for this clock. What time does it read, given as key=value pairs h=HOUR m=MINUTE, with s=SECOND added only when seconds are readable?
h=9 m=36 s=5
